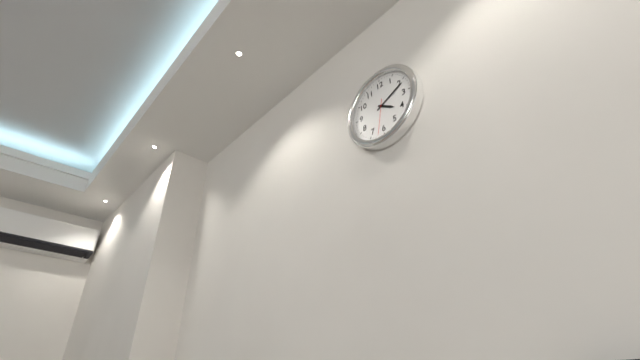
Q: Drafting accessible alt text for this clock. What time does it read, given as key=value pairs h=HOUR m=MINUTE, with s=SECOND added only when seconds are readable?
h=4 m=11
